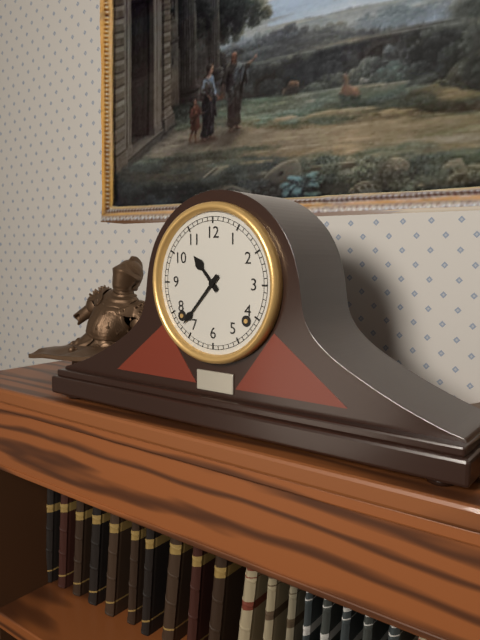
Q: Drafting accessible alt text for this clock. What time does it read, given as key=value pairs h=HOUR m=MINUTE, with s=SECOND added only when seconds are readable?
h=10 m=37
